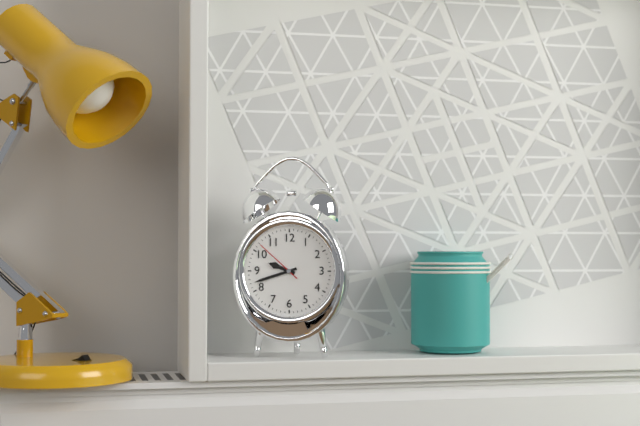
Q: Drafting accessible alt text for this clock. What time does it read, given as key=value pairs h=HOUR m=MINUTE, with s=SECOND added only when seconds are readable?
h=9 m=42
